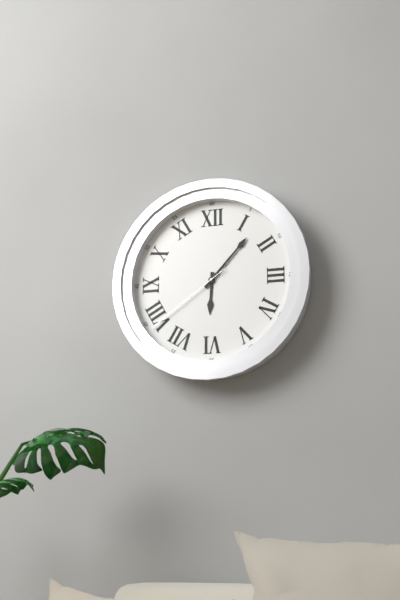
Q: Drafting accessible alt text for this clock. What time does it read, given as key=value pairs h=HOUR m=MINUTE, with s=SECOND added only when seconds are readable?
h=6 m=7 s=39
